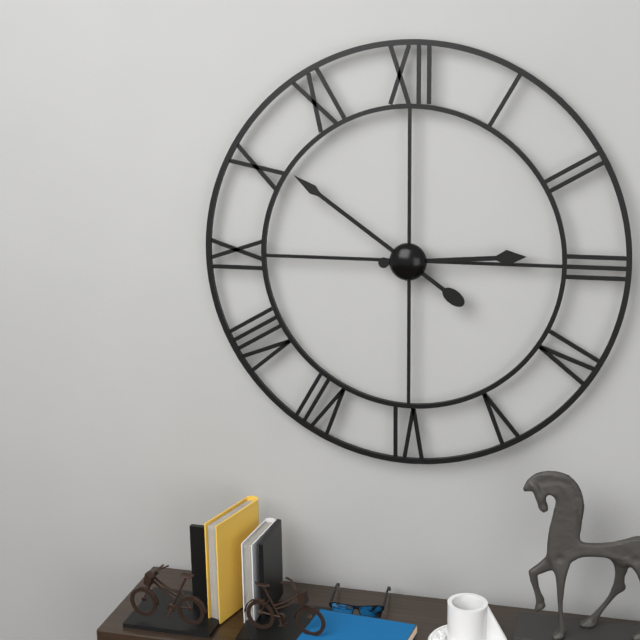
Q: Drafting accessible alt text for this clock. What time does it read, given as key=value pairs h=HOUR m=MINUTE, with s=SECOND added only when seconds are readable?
h=2 m=51
